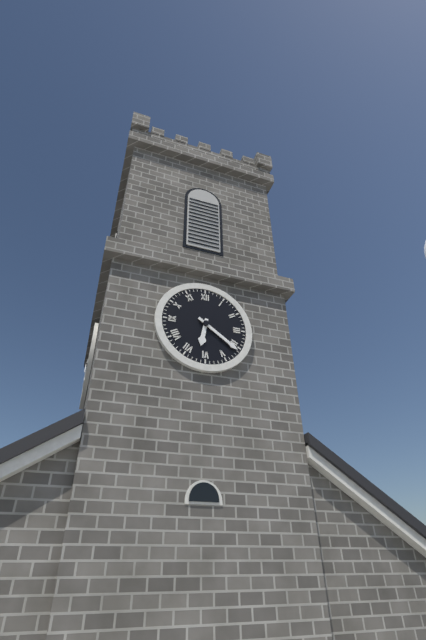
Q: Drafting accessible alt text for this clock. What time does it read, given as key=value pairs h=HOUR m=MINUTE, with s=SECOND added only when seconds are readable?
h=6 m=21
